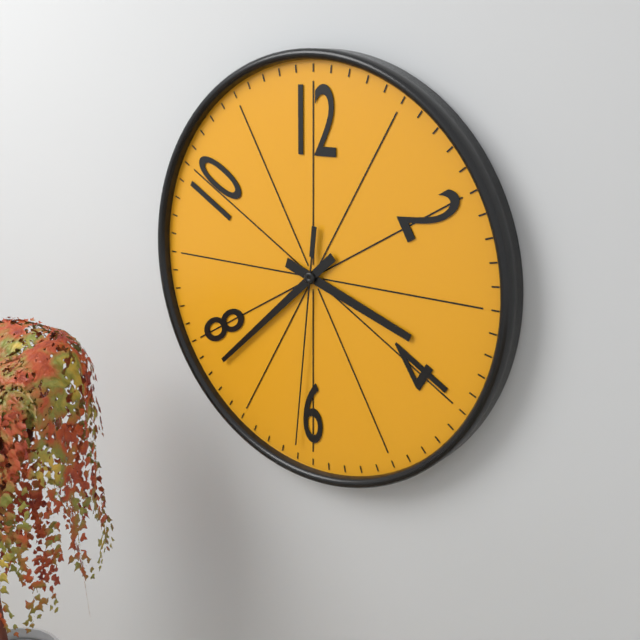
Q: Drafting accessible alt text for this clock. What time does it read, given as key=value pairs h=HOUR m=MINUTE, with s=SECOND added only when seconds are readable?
h=3 m=38 s=31
